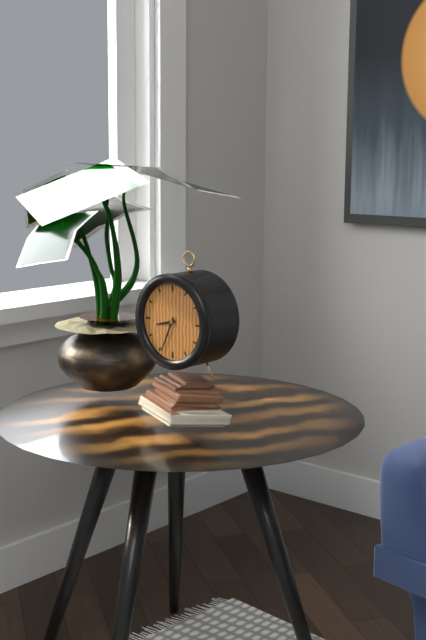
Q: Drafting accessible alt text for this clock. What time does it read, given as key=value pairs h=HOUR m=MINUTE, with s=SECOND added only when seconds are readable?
h=8 m=34
